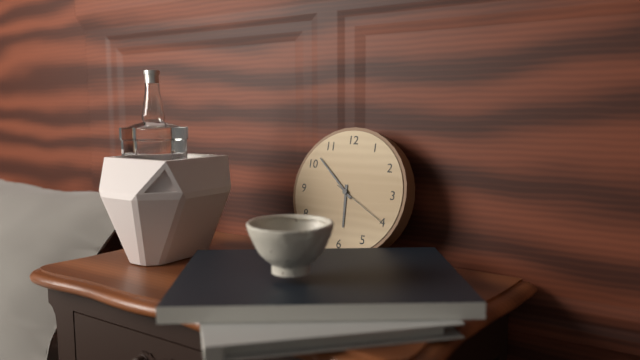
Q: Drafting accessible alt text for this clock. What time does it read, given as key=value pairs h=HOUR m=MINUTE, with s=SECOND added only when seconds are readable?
h=5 m=52 s=20
